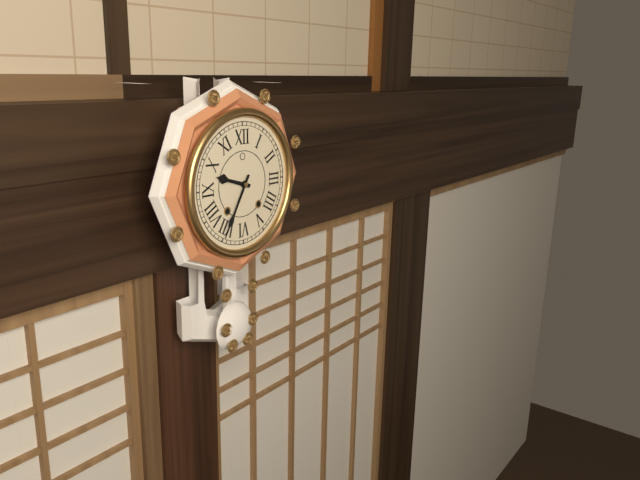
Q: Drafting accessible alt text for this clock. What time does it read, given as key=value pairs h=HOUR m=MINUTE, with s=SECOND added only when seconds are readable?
h=9 m=35
